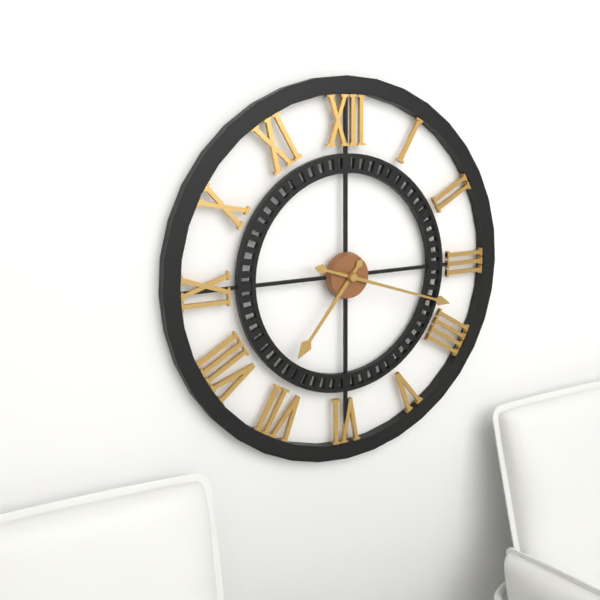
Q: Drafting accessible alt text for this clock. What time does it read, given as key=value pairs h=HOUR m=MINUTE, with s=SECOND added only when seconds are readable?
h=7 m=18
